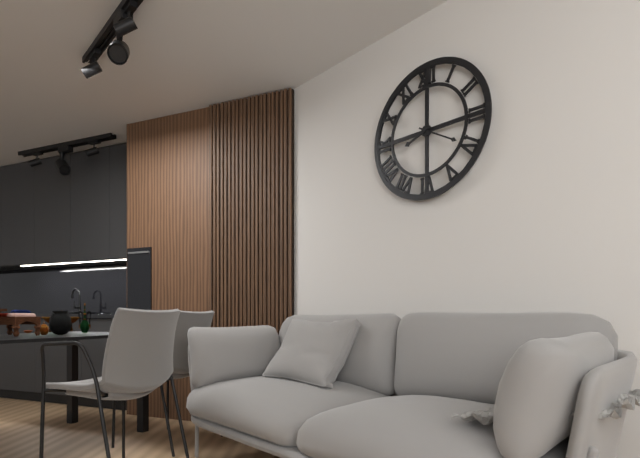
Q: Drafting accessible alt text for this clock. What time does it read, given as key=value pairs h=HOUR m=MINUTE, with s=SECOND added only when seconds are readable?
h=8 m=20
